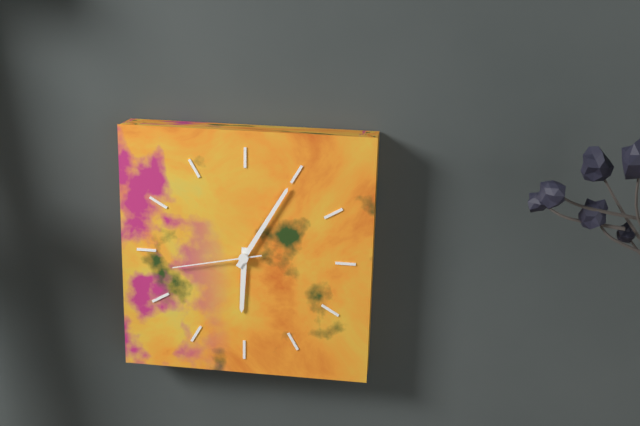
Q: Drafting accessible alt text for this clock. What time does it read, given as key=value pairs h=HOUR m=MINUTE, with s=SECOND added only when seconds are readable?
h=6 m=5 s=43
